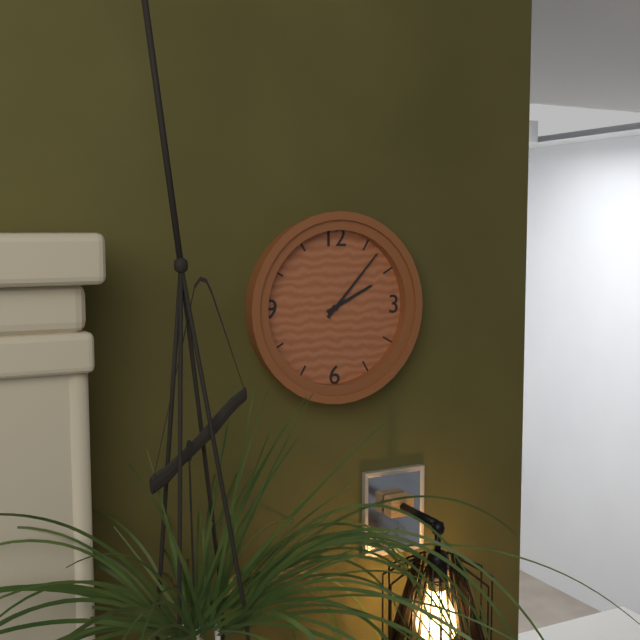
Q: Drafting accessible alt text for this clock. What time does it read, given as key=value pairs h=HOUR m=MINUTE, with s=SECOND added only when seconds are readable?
h=2 m=7
